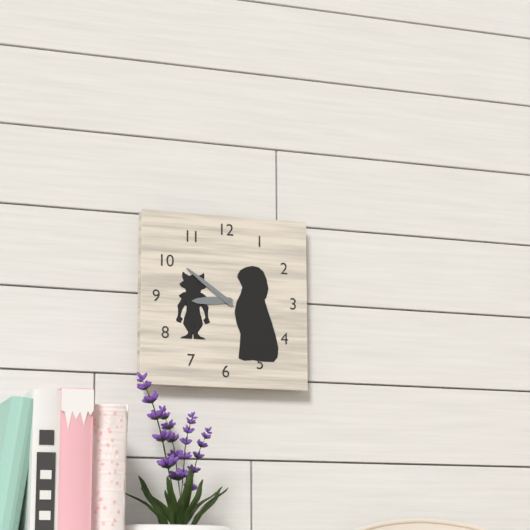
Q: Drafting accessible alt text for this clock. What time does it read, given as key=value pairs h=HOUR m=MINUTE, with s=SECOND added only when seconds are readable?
h=8 m=51
